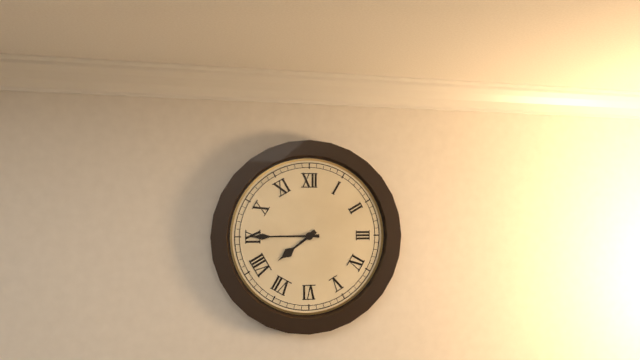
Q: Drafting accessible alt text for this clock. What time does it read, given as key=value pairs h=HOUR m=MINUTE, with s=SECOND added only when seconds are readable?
h=7 m=45
